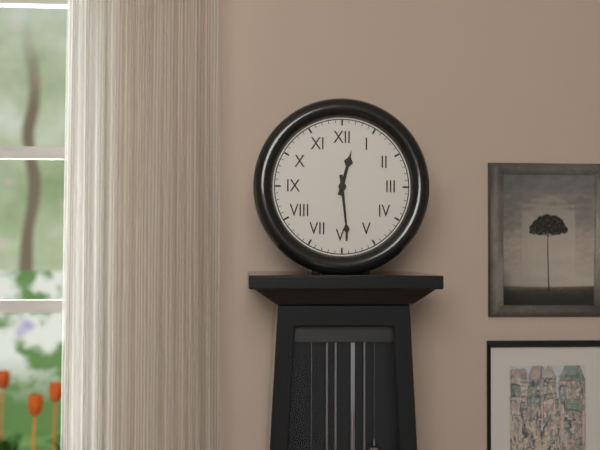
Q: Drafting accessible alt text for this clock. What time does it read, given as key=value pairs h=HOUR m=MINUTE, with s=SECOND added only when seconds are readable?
h=12 m=29
